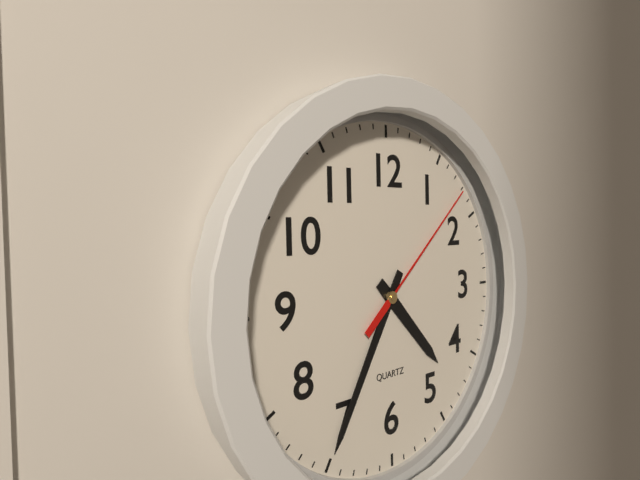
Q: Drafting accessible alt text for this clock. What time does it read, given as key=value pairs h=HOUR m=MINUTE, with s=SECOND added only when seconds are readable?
h=4 m=35 s=8
